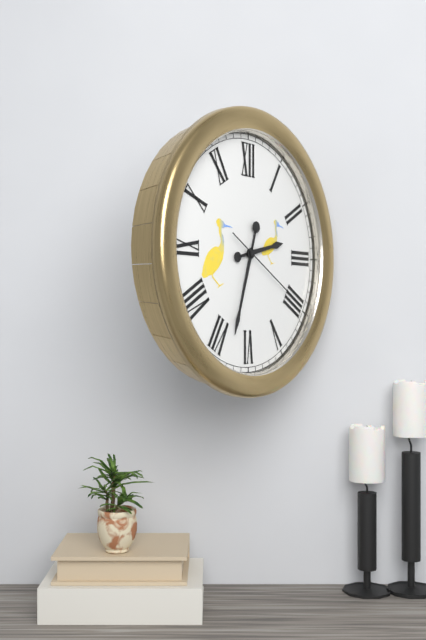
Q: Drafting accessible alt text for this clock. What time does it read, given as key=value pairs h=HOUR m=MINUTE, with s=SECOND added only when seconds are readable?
h=2 m=33 s=20
